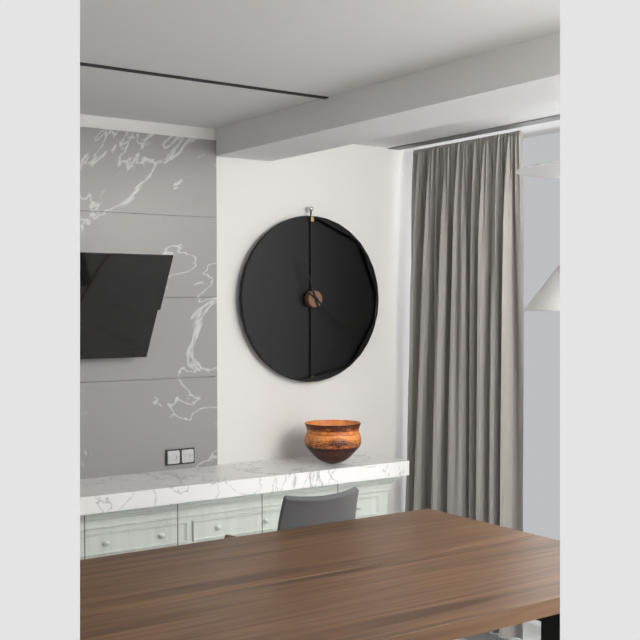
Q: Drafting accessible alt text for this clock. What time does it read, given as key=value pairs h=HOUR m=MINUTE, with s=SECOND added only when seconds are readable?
h=11 m=21
